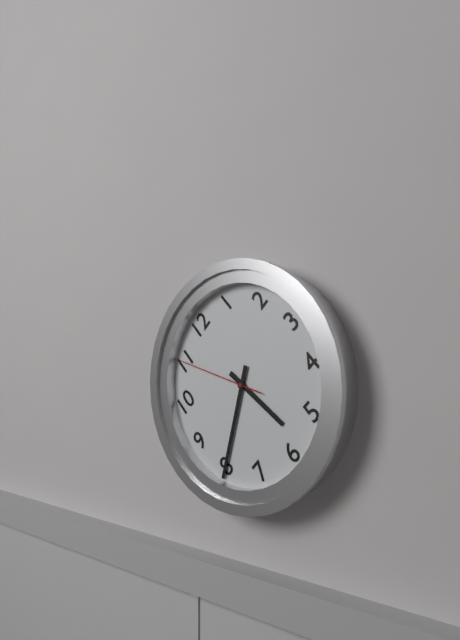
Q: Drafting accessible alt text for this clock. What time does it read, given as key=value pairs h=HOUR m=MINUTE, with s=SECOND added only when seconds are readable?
h=5 m=40 s=55
